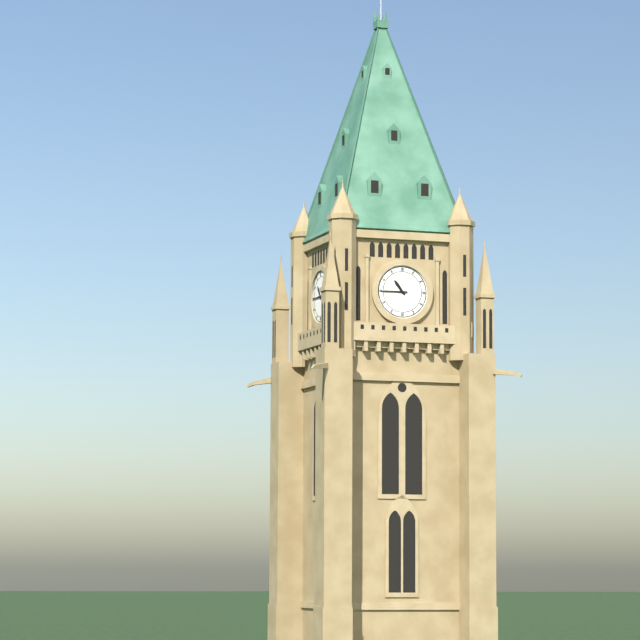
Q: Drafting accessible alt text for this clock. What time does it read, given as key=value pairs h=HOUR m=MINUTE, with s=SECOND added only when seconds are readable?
h=10 m=45
